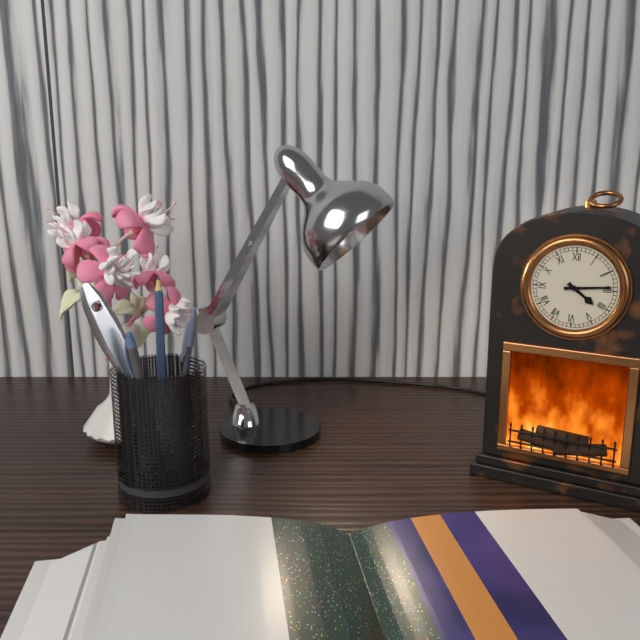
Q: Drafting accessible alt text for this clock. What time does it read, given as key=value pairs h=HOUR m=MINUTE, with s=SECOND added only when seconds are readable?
h=4 m=14
